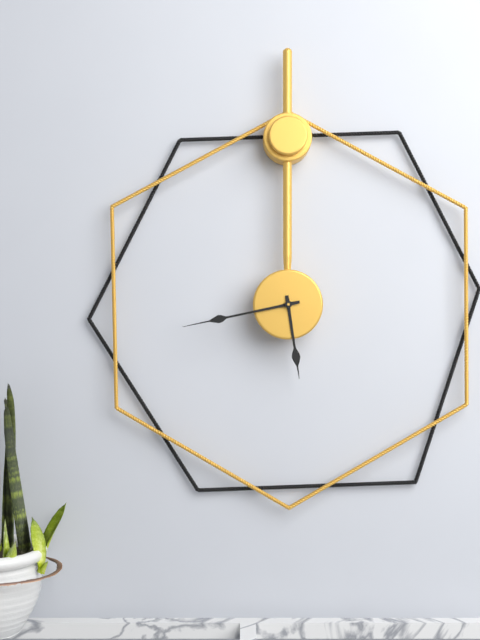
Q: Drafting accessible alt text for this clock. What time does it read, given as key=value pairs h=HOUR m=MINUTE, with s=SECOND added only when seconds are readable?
h=5 m=43
